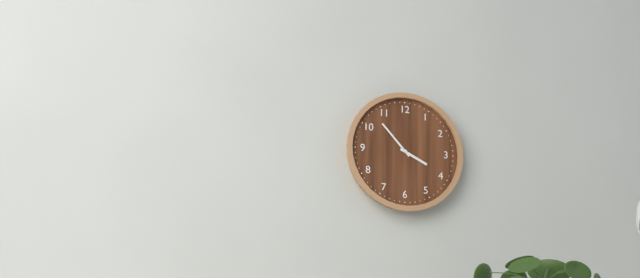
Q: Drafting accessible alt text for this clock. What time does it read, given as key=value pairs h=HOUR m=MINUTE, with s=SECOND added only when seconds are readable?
h=3 m=53
